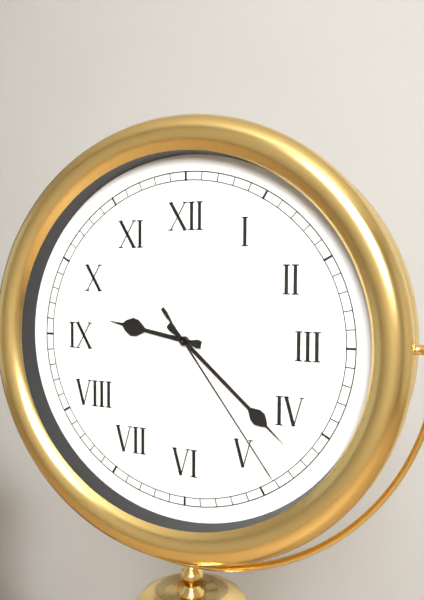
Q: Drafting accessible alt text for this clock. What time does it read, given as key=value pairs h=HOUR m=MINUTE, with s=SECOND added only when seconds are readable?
h=9 m=22 s=24
